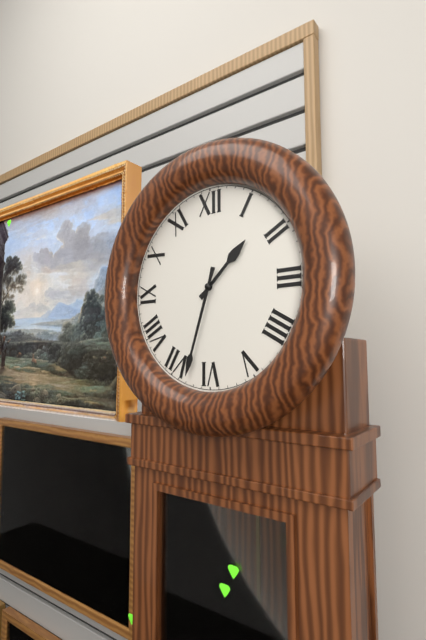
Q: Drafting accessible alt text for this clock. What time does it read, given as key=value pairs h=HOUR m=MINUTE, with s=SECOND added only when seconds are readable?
h=1 m=33
